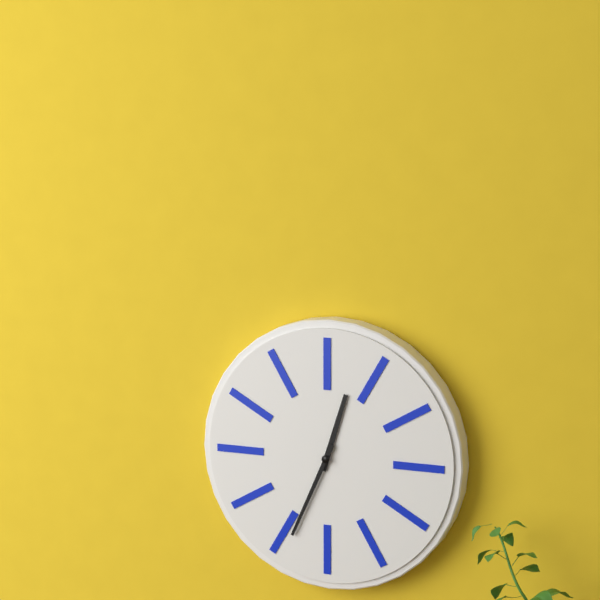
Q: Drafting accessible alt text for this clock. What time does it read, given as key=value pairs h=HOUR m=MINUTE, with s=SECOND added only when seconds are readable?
h=12 m=34
